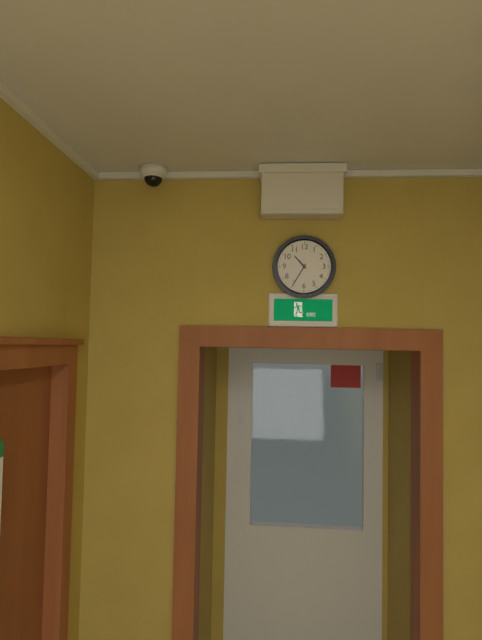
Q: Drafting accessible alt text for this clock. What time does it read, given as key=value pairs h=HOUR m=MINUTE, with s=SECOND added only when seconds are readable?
h=10 m=35
